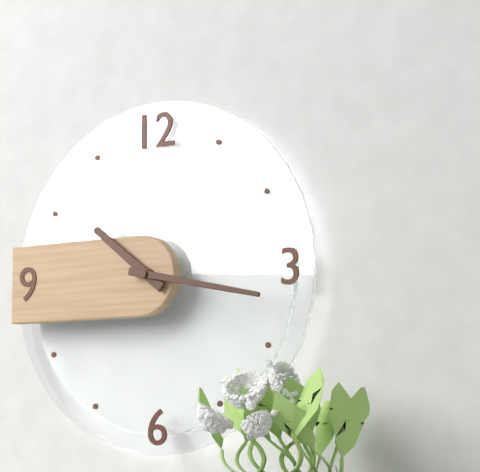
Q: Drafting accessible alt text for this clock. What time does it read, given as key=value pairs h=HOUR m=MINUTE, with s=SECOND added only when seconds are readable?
h=10 m=17
